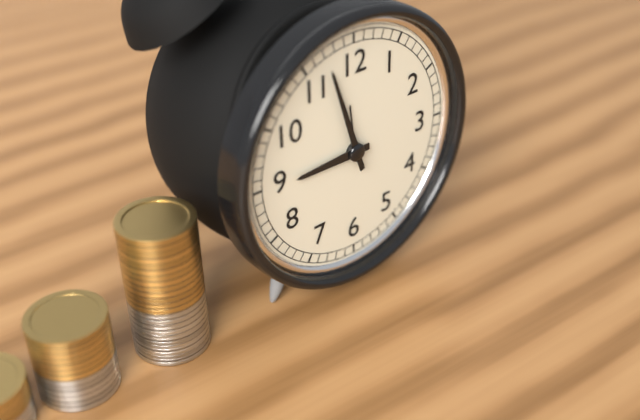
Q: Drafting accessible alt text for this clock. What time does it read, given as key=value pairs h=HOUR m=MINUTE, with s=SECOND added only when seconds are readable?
h=8 m=57
